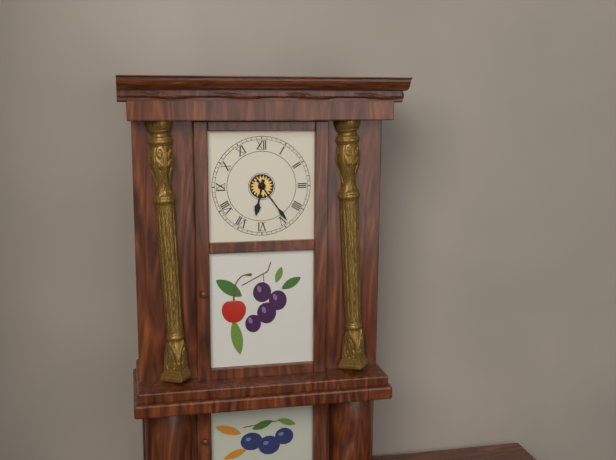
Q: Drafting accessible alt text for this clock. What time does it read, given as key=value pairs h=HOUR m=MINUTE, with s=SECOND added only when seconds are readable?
h=6 m=24
